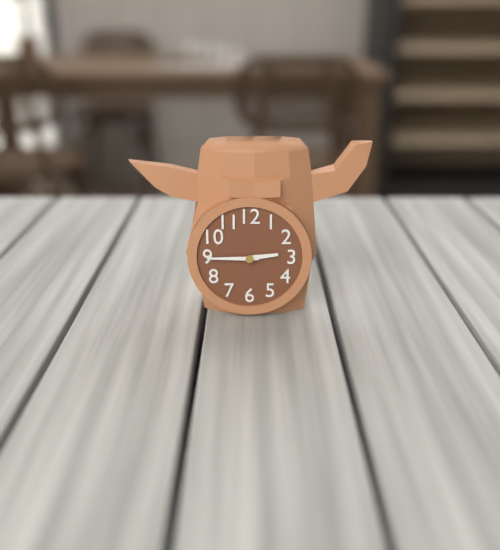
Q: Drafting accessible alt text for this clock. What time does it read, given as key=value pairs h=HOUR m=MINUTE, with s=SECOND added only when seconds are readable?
h=2 m=45
